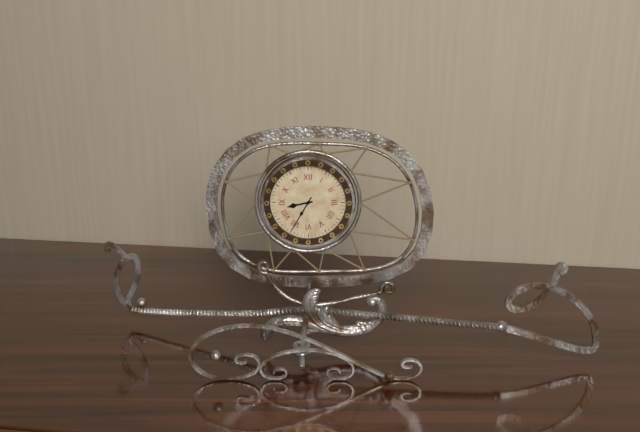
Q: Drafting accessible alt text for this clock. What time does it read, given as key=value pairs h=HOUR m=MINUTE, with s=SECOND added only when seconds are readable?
h=8 m=35
